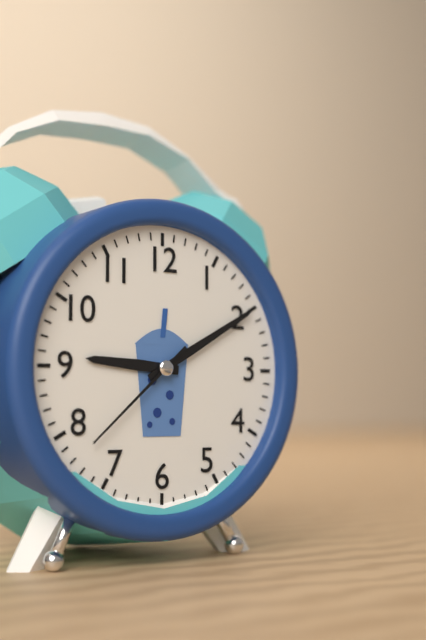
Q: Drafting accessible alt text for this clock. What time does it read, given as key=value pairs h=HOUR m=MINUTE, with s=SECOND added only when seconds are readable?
h=9 m=10 s=38
